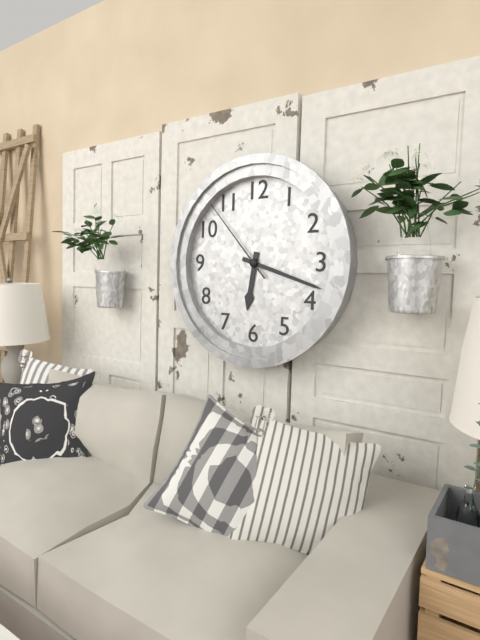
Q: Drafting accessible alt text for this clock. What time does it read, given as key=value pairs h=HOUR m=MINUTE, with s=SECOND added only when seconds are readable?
h=6 m=18 s=53
